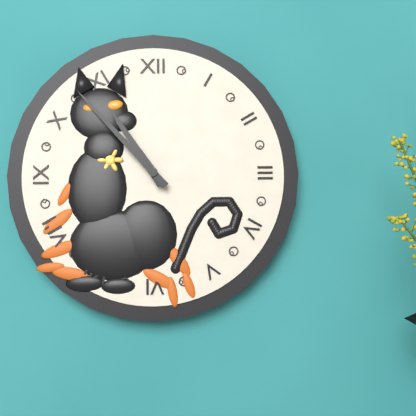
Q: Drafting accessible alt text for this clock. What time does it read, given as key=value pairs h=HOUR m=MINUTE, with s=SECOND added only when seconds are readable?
h=10 m=53
